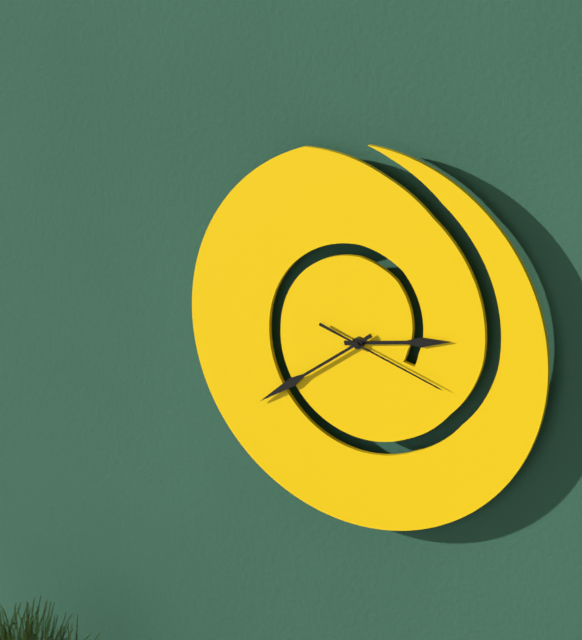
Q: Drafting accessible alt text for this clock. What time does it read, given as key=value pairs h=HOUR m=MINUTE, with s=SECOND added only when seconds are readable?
h=2 m=39 s=18
